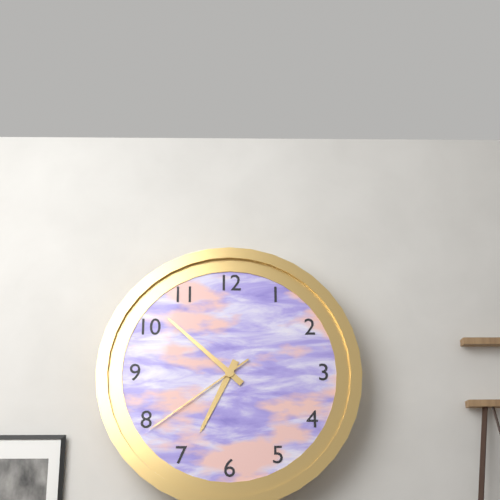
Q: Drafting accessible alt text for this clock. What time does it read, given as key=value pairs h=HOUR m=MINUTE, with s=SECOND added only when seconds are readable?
h=6 m=52 s=39
